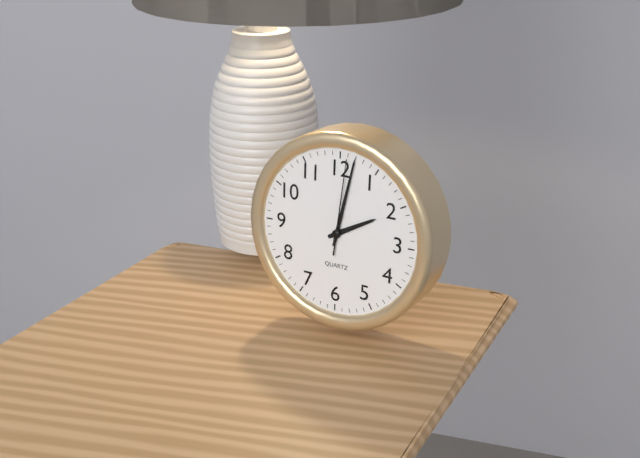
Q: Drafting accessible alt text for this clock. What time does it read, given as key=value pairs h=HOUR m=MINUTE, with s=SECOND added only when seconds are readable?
h=2 m=2 s=1
